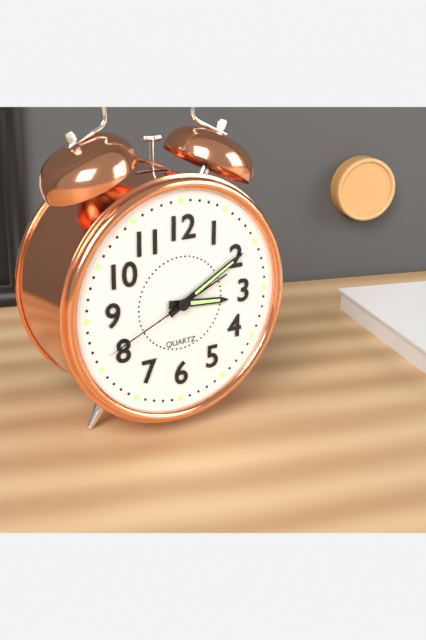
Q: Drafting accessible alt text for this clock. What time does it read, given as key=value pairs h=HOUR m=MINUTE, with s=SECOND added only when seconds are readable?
h=3 m=10 s=41
